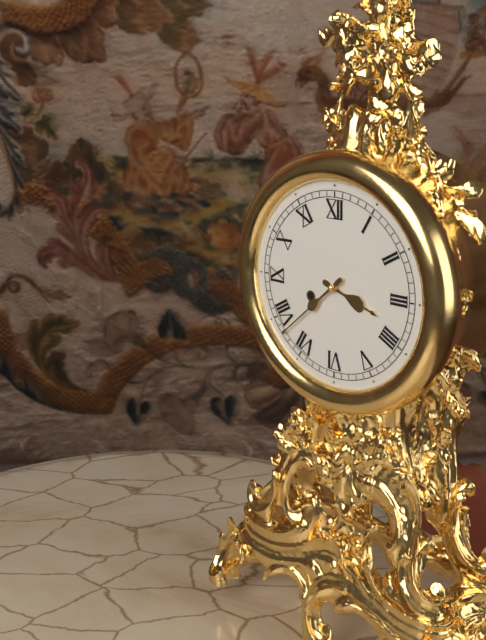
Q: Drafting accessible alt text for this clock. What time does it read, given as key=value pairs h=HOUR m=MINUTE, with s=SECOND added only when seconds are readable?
h=3 m=38
